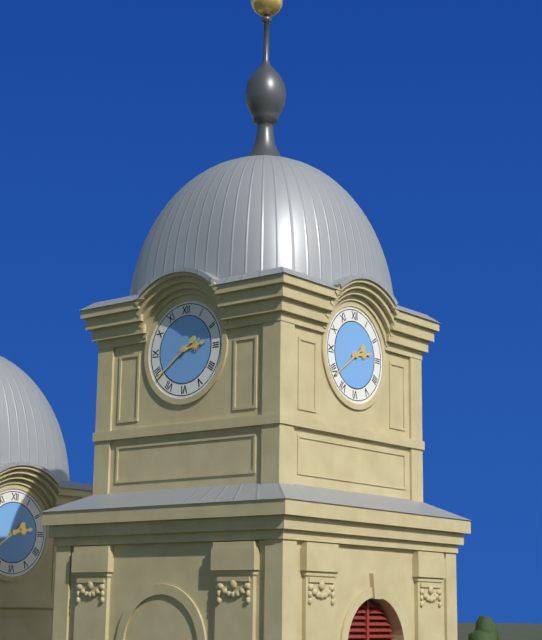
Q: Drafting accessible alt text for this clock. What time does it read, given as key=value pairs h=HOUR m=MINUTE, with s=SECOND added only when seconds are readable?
h=2 m=39
